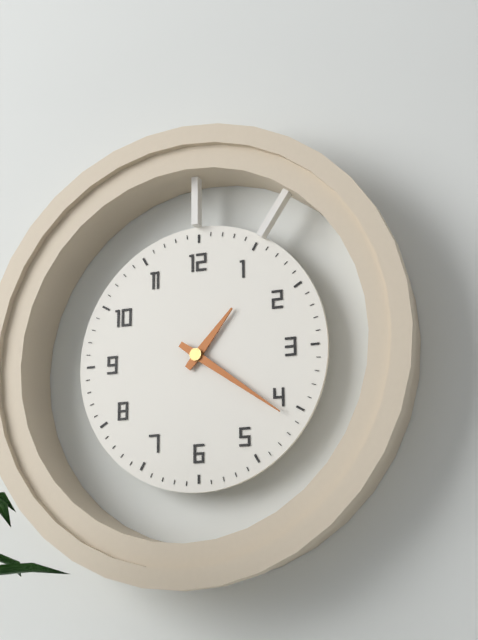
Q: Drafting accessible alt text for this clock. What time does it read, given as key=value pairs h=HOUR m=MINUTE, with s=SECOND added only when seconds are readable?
h=1 m=21
